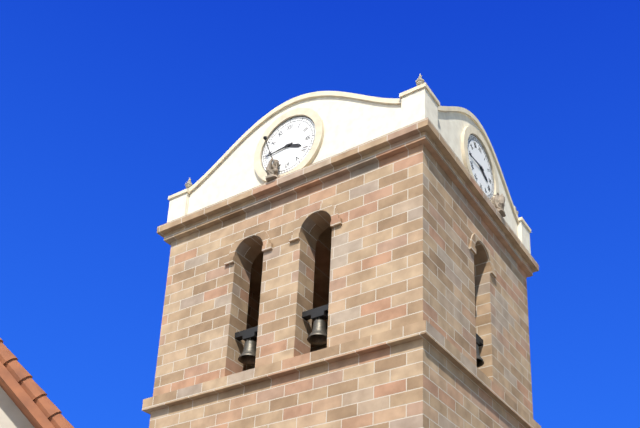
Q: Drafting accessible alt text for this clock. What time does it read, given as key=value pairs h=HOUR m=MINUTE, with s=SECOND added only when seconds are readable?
h=3 m=44
